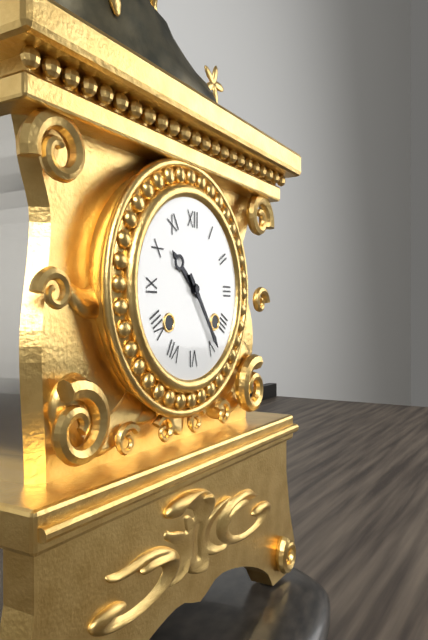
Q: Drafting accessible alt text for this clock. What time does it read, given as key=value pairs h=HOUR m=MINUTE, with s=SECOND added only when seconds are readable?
h=10 m=24
